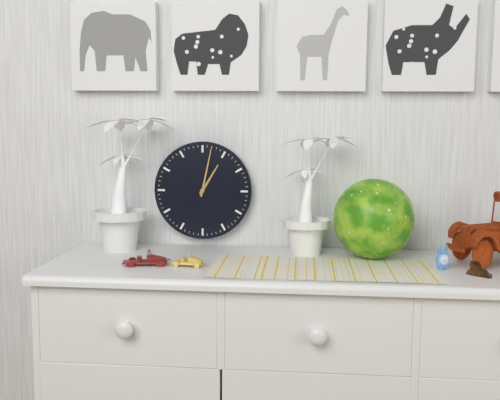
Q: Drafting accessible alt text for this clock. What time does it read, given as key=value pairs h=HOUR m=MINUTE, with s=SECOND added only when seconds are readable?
h=1 m=2
